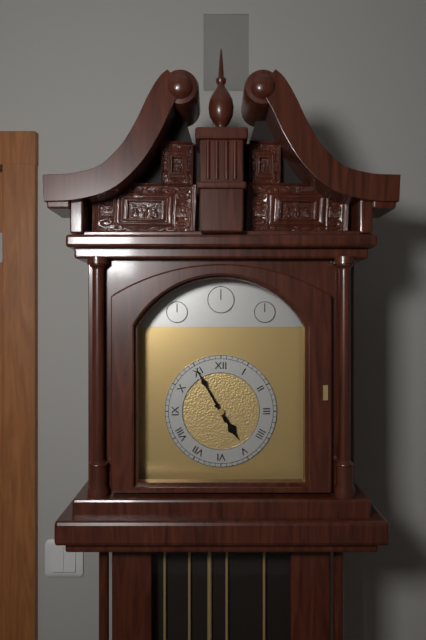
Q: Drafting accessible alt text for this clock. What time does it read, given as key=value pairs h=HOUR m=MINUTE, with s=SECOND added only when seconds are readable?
h=4 m=55
